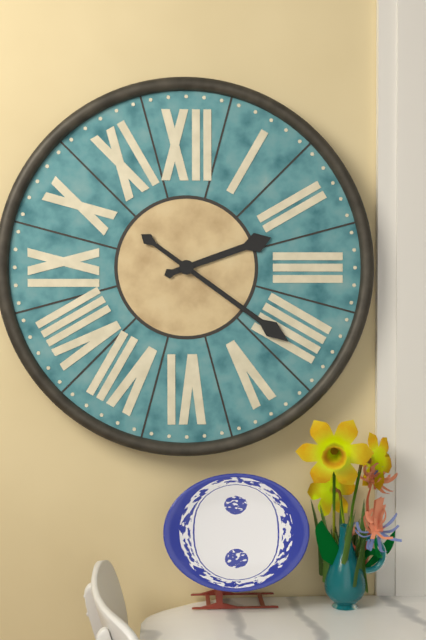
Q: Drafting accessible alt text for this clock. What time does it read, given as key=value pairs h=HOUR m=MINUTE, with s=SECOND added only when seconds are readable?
h=2 m=21
